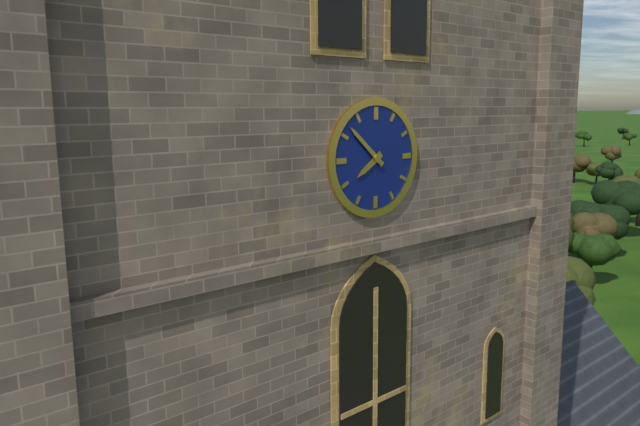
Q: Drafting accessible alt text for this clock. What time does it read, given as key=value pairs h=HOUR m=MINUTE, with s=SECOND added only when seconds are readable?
h=7 m=52
